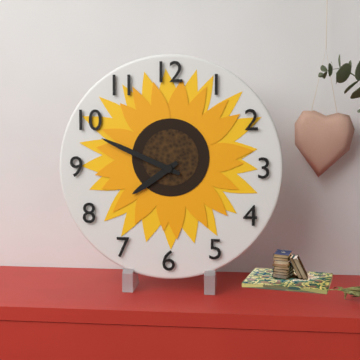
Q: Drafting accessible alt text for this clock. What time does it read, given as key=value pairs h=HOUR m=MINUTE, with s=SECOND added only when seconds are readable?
h=7 m=49
